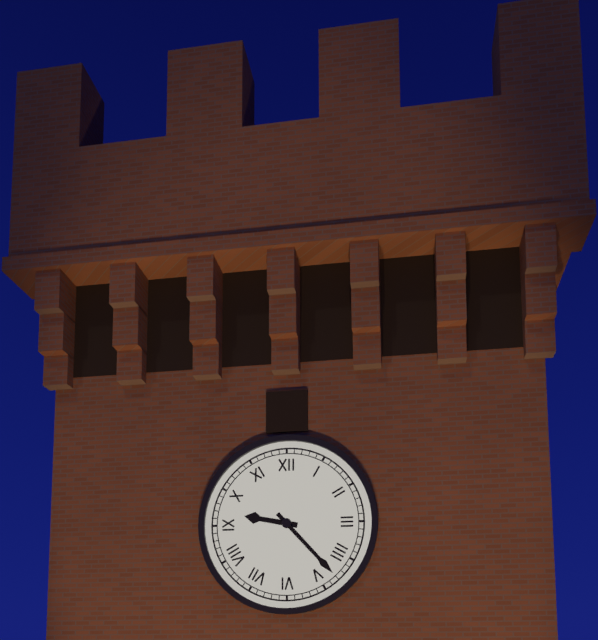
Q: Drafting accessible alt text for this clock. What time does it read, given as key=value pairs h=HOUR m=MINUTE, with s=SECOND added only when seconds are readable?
h=9 m=23
